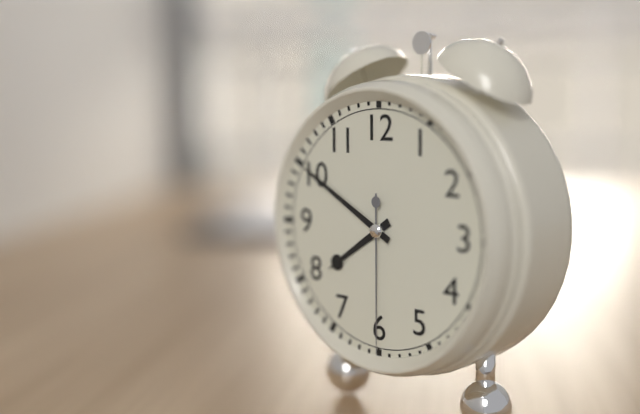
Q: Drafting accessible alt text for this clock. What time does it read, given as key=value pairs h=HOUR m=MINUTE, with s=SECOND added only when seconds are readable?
h=7 m=50 s=30
